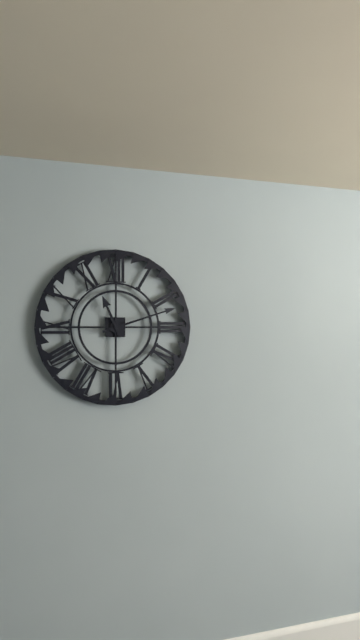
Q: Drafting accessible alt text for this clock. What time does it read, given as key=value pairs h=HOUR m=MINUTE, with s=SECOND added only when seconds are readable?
h=11 m=12
